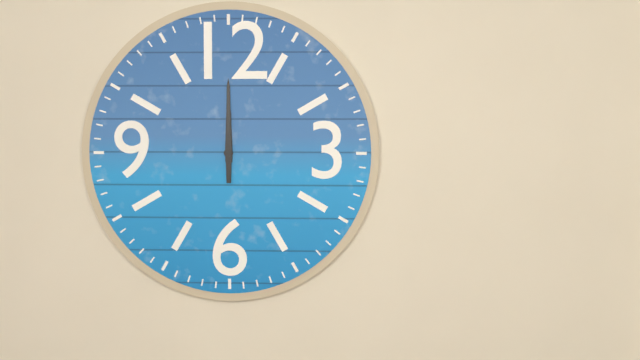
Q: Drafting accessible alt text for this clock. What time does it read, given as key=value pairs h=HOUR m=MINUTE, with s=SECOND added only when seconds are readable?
h=12 m=0
